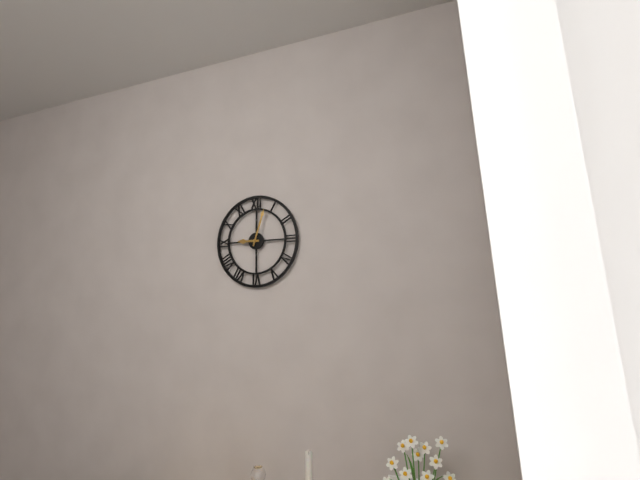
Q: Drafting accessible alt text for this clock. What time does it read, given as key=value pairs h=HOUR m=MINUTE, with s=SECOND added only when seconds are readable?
h=9 m=3
